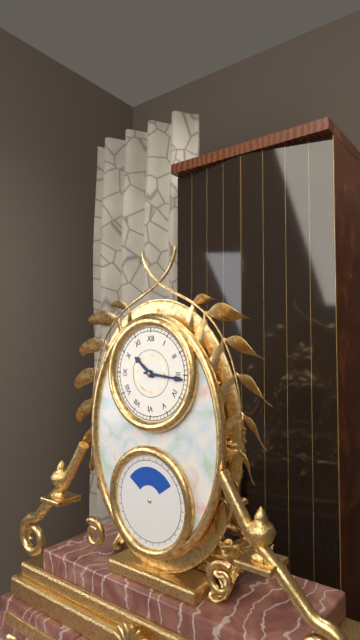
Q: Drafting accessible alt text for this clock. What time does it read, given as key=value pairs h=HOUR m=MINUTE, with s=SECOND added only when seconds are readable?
h=10 m=16
